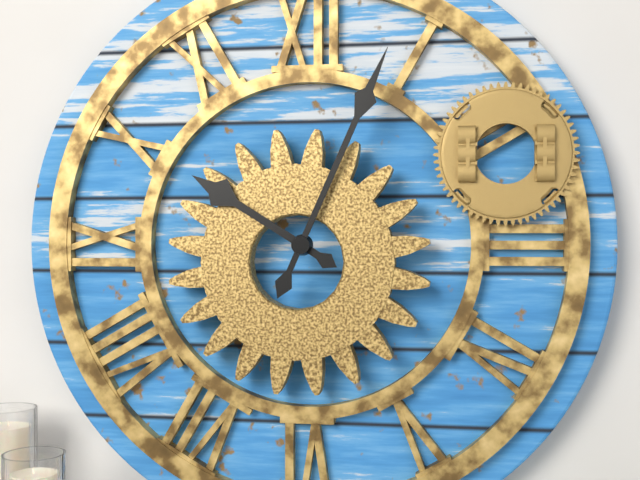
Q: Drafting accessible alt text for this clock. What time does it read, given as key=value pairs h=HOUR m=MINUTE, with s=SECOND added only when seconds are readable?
h=10 m=4
